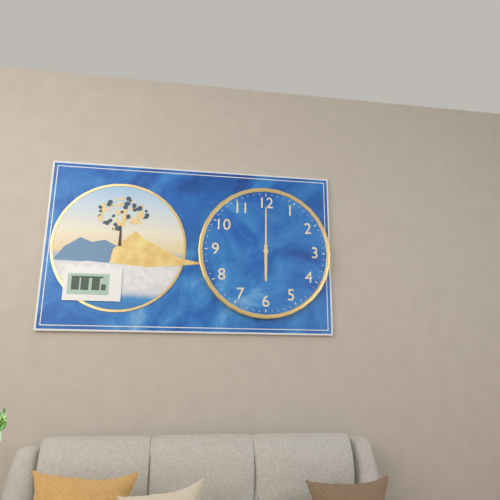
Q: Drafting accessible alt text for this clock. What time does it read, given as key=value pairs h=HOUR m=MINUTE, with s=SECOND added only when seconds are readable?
h=6 m=0
